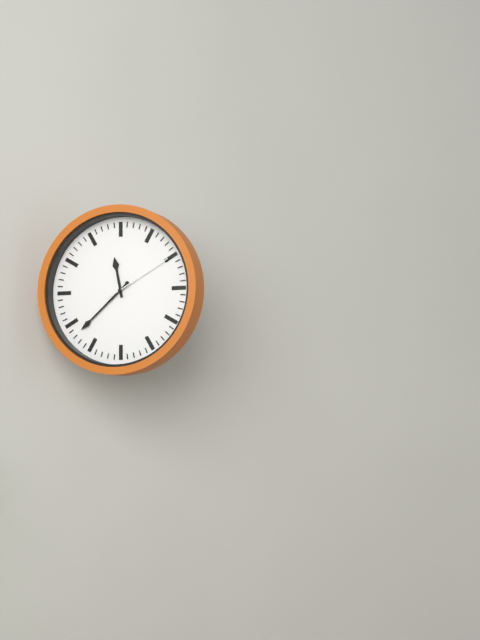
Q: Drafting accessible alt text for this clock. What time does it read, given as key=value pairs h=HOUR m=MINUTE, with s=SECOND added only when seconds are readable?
h=11 m=38 s=10
